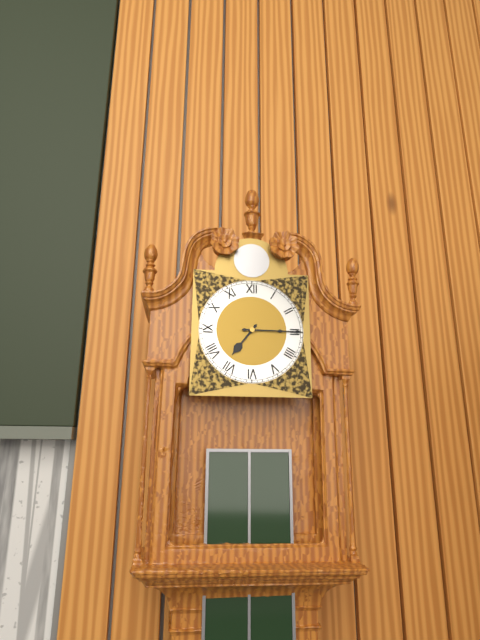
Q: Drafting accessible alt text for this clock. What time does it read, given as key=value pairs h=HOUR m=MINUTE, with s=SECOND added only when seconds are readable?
h=7 m=15
